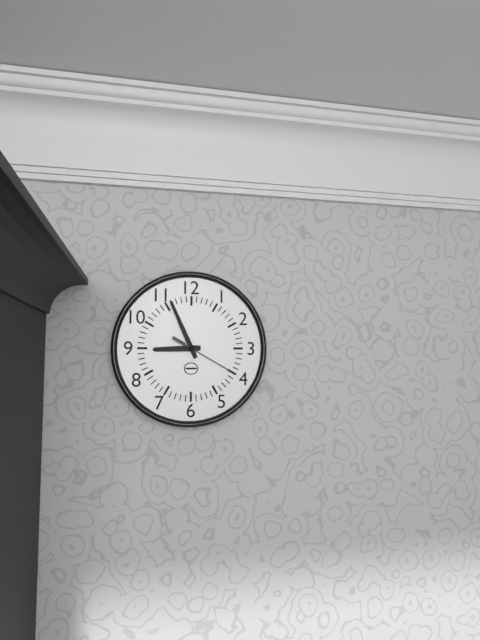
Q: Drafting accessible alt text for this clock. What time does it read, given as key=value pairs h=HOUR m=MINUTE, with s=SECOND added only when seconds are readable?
h=8 m=56 s=20
